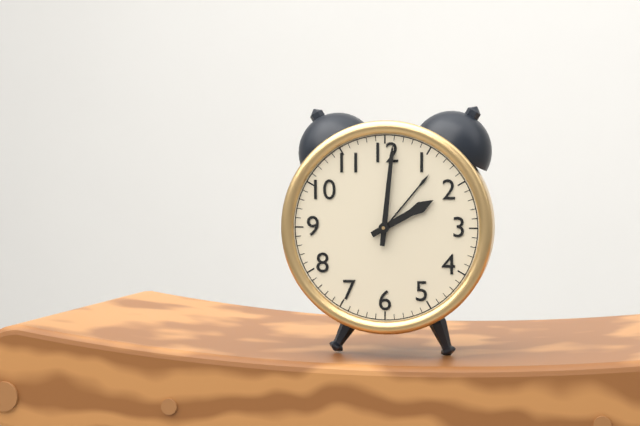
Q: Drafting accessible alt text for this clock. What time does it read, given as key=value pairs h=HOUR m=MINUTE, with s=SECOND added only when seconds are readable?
h=2 m=1
